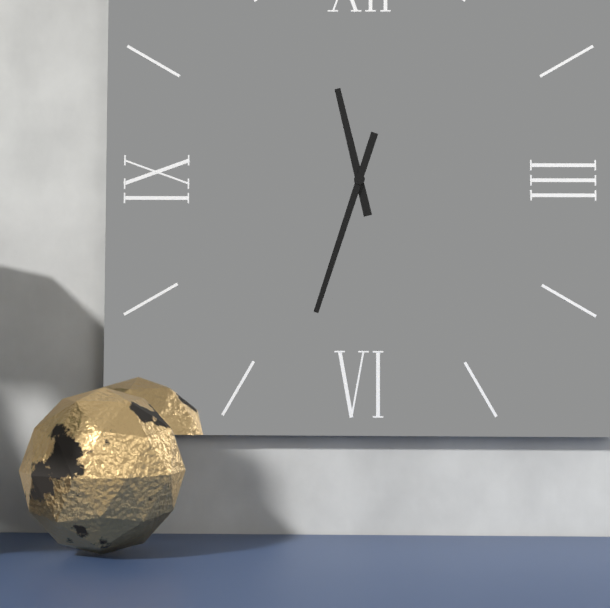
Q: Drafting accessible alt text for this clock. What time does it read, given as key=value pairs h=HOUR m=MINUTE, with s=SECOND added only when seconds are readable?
h=11 m=33
